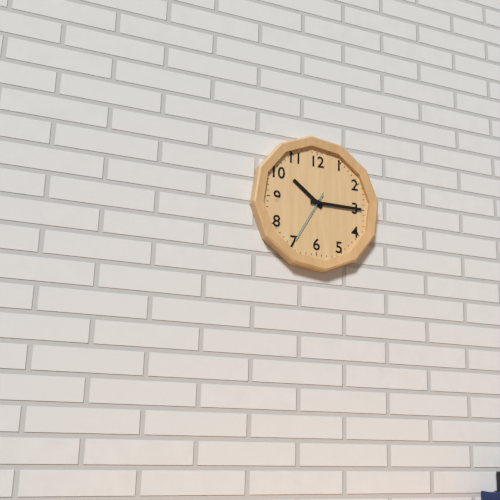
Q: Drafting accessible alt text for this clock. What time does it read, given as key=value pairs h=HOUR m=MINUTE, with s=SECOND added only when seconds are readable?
h=10 m=15 s=35
